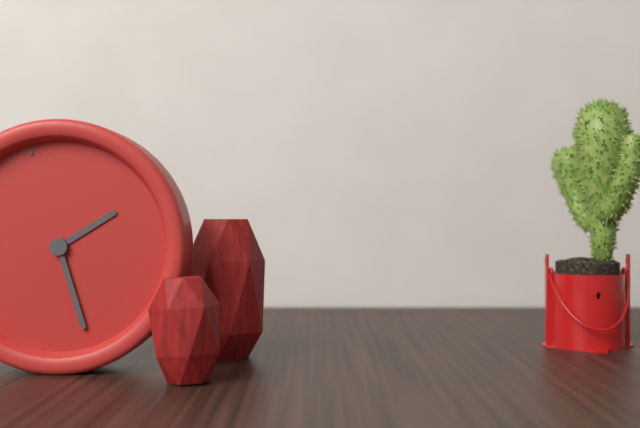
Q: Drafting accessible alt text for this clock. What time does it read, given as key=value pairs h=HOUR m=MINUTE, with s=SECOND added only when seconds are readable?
h=2 m=30
